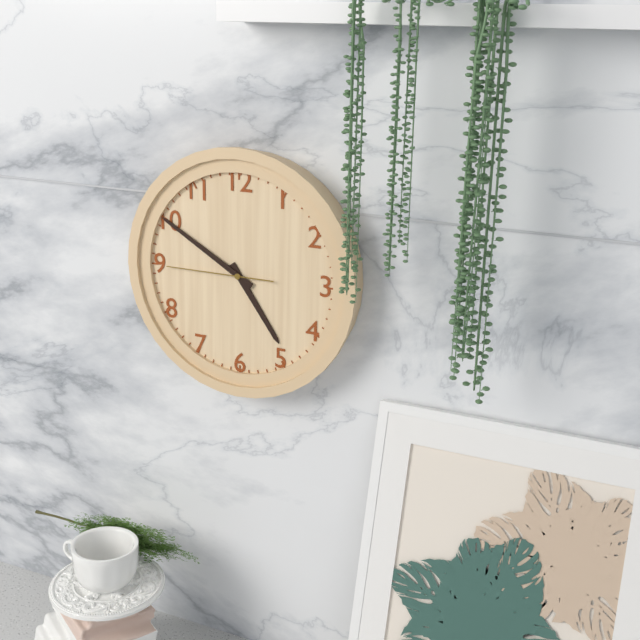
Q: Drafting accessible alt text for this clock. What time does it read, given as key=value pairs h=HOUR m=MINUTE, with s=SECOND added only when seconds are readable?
h=4 m=50 s=45
